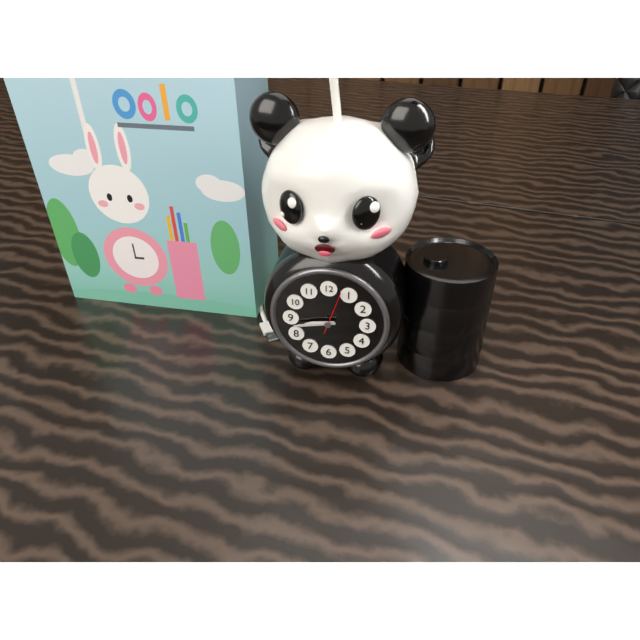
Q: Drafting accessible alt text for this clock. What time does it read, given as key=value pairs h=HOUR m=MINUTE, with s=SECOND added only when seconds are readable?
h=8 m=43
